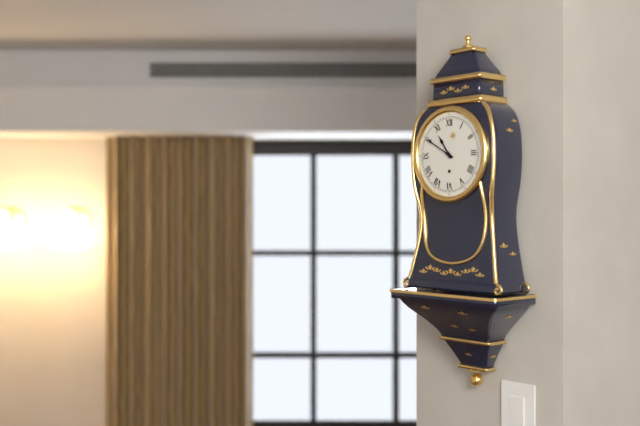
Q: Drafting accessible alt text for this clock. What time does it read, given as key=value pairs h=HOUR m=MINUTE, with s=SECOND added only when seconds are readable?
h=10 m=50
